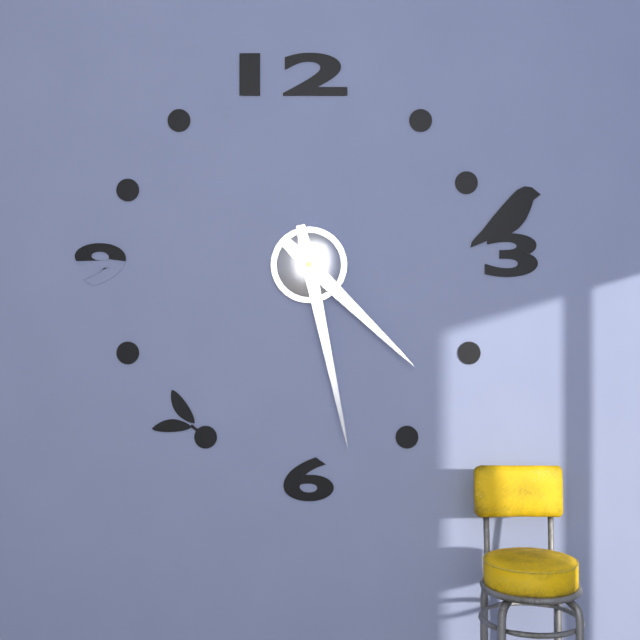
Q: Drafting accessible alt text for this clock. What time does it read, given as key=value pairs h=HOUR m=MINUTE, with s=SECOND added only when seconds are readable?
h=4 m=28
